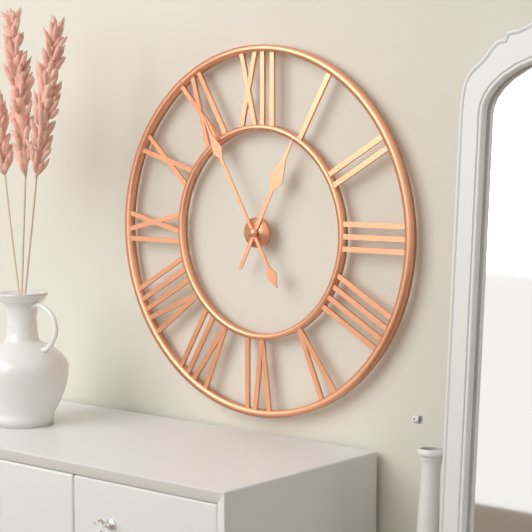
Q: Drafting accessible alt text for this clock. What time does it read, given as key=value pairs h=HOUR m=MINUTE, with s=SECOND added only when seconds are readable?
h=12 m=55
